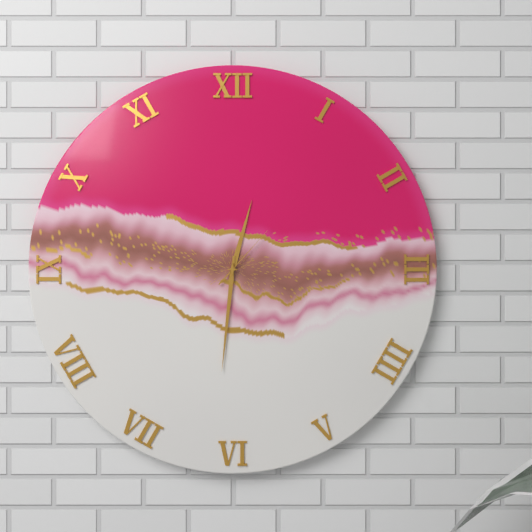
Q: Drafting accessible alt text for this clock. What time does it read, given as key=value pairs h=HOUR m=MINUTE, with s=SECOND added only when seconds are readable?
h=12 m=31 s=7
